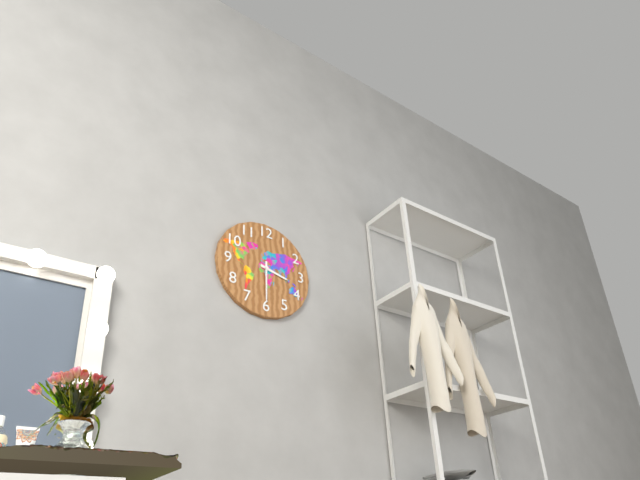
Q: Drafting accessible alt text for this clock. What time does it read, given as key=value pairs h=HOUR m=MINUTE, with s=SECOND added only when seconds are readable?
h=3 m=30
